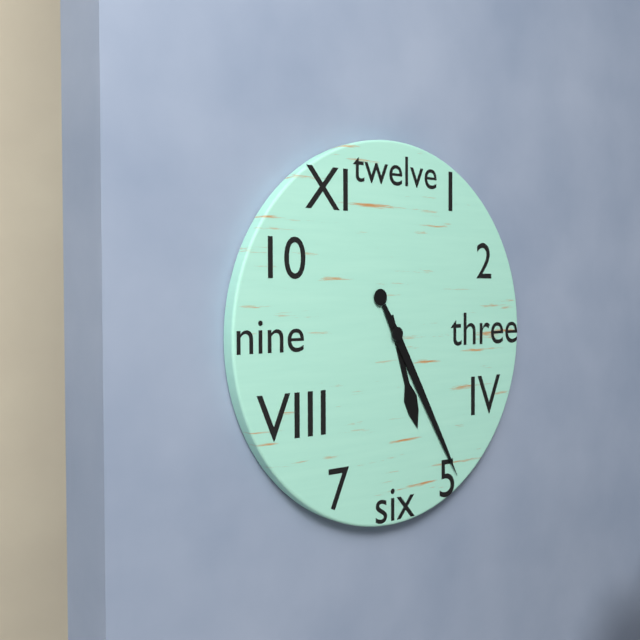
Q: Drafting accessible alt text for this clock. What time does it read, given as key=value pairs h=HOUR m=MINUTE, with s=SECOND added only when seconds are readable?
h=5 m=25
